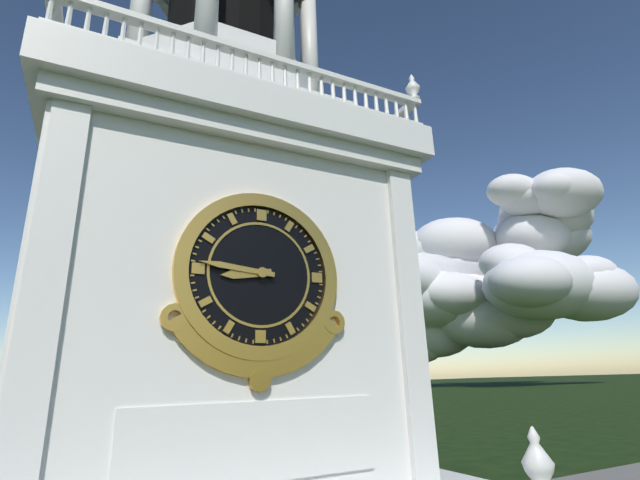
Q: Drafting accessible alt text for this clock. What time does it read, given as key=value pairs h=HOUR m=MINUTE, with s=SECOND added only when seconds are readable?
h=8 m=46
